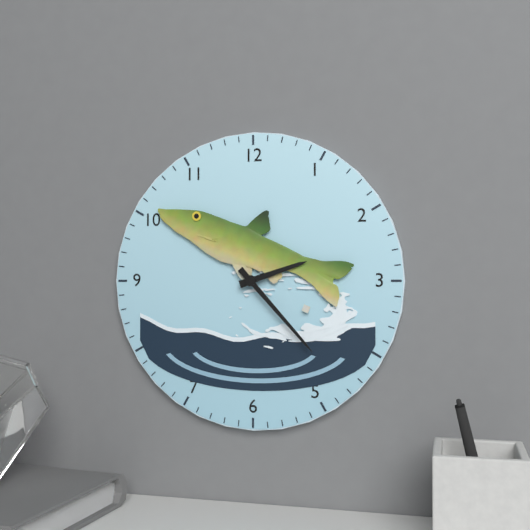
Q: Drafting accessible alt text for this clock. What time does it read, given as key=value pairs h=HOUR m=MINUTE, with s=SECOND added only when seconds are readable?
h=2 m=23
